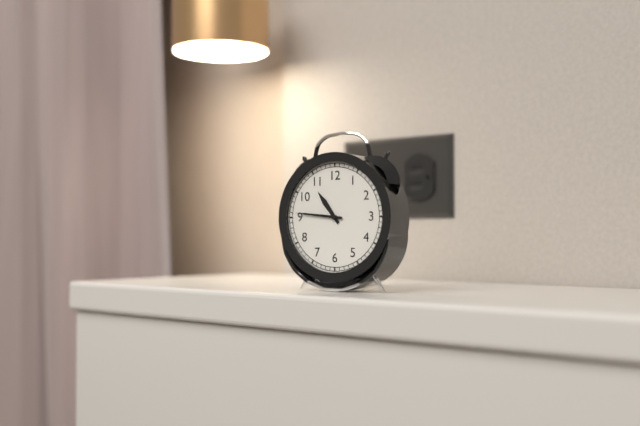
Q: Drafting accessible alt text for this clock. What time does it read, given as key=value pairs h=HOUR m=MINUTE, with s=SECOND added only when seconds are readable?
h=10 m=46
